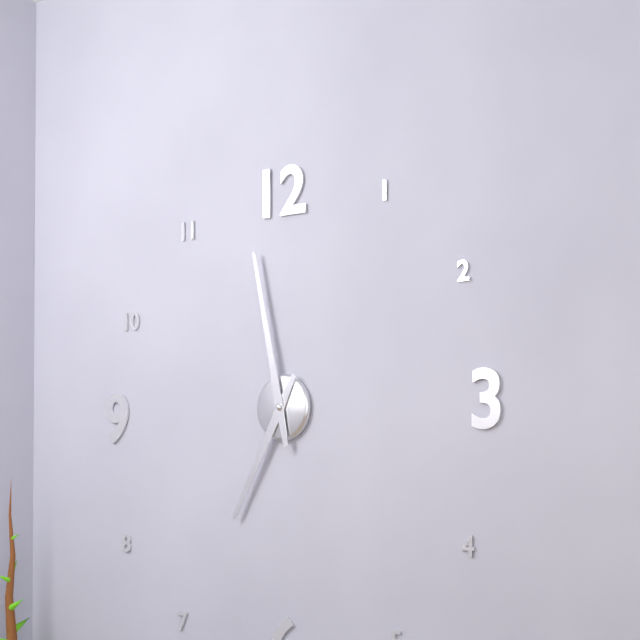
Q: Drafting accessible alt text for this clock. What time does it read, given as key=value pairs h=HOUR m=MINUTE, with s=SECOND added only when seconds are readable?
h=6 m=58
